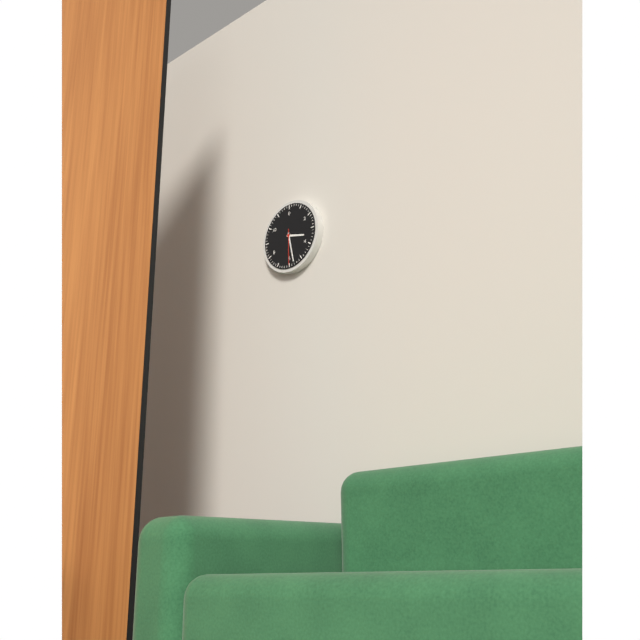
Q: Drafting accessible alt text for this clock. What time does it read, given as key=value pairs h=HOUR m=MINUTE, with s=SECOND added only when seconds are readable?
h=3 m=28
